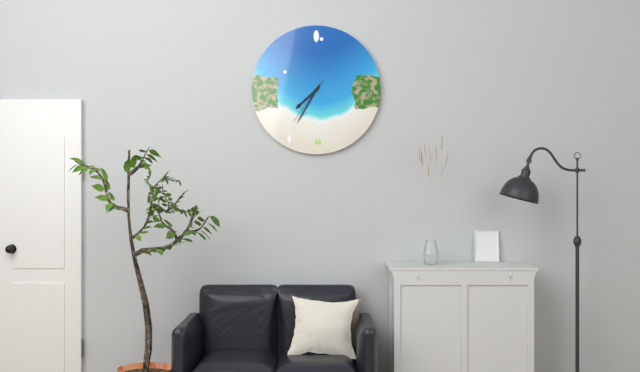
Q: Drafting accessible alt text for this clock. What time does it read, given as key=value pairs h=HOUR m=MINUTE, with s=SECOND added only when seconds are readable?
h=7 m=35
